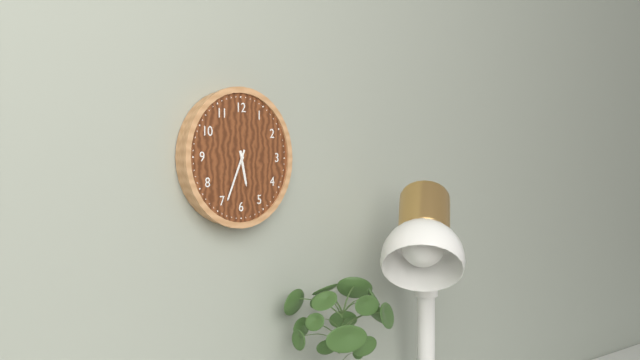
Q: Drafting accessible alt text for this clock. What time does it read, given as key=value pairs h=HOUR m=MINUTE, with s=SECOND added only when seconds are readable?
h=5 m=34
